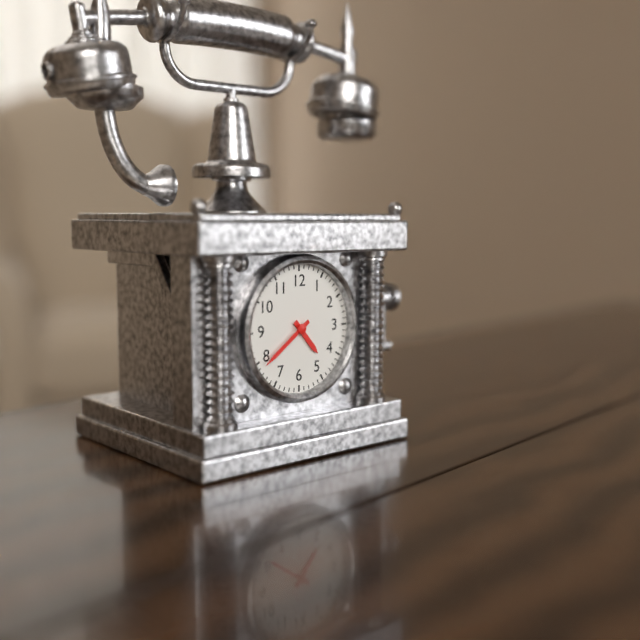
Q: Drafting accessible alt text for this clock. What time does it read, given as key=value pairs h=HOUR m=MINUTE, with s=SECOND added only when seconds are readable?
h=4 m=39
